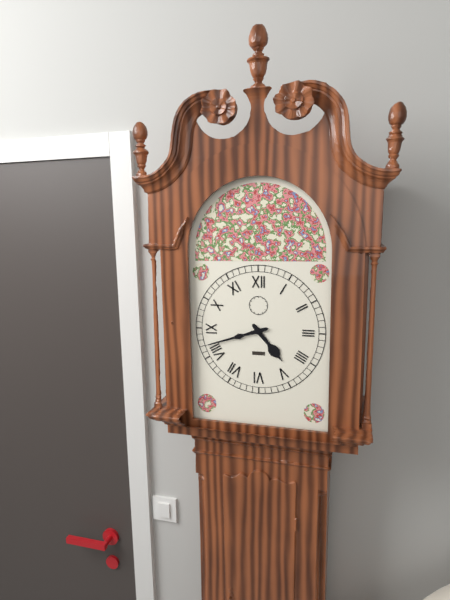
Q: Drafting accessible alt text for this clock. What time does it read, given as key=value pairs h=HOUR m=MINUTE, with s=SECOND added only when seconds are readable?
h=4 m=42
